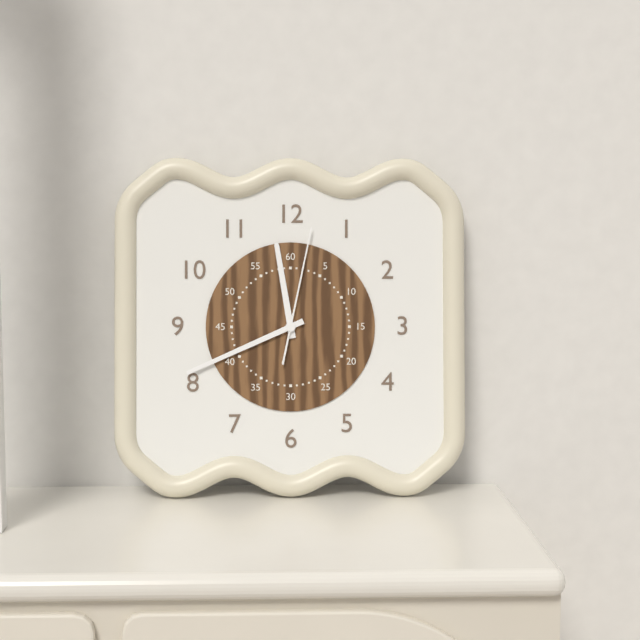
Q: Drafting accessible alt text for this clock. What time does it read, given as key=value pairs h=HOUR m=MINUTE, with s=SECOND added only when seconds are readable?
h=11 m=41 s=2
